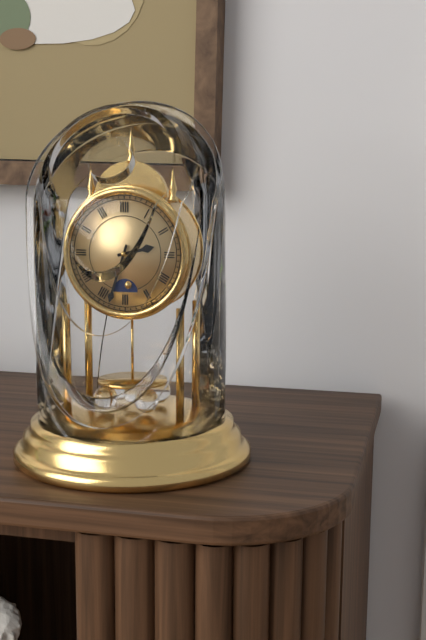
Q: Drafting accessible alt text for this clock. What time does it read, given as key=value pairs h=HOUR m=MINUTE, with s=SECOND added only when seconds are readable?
h=2 m=33
